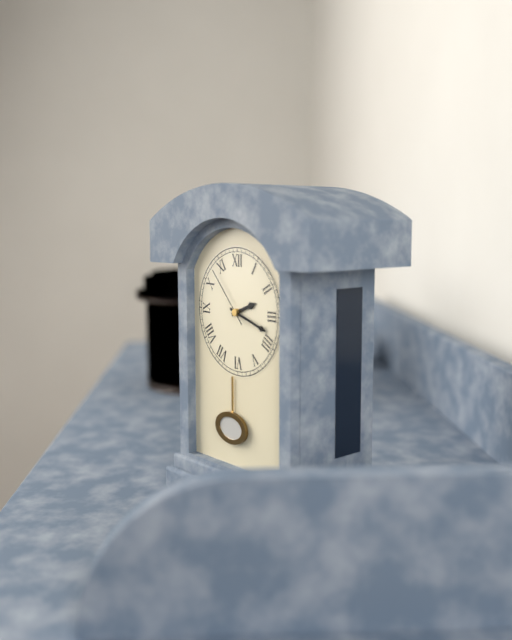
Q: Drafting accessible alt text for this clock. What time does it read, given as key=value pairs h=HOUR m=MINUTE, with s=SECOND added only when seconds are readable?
h=2 m=18 s=53
